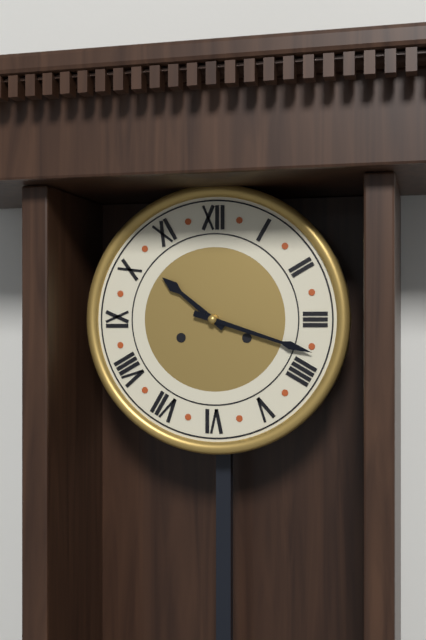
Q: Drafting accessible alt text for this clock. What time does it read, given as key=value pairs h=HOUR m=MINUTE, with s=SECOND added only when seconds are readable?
h=10 m=18
